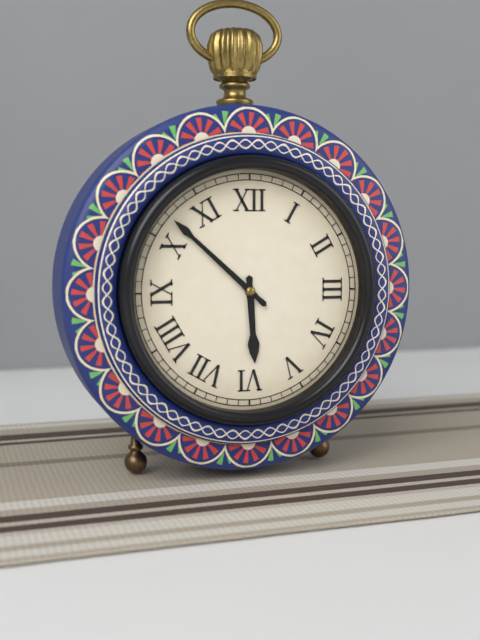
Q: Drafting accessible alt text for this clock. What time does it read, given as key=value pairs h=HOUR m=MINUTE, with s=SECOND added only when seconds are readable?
h=5 m=52
